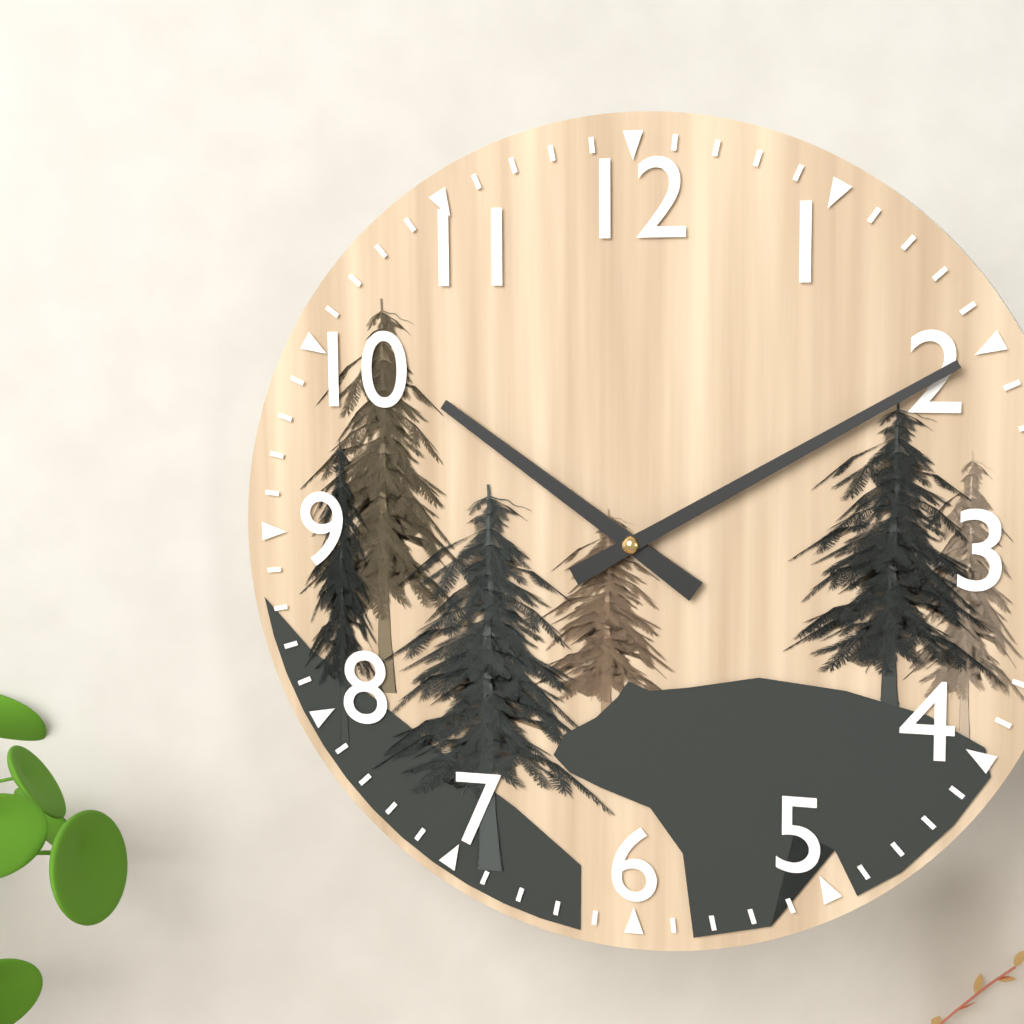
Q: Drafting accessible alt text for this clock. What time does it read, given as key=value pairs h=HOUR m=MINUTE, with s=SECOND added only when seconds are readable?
h=10 m=10
